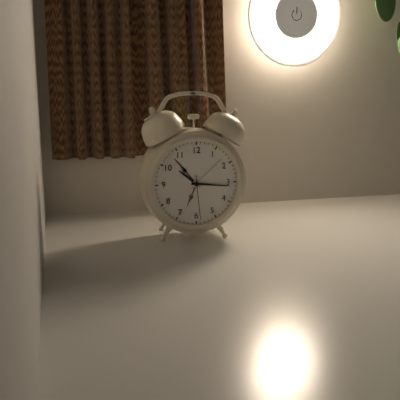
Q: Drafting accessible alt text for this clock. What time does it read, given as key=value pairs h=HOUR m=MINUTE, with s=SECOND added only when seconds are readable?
h=10 m=16
